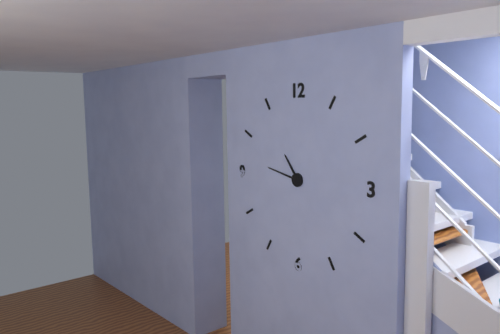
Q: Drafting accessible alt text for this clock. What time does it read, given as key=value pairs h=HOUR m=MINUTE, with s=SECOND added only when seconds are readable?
h=10 m=47
